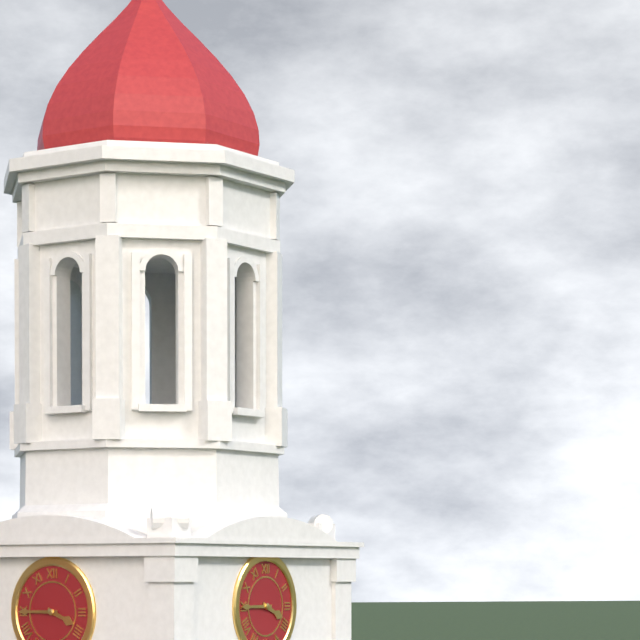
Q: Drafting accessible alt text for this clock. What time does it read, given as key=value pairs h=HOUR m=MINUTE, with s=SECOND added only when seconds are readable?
h=3 m=45
